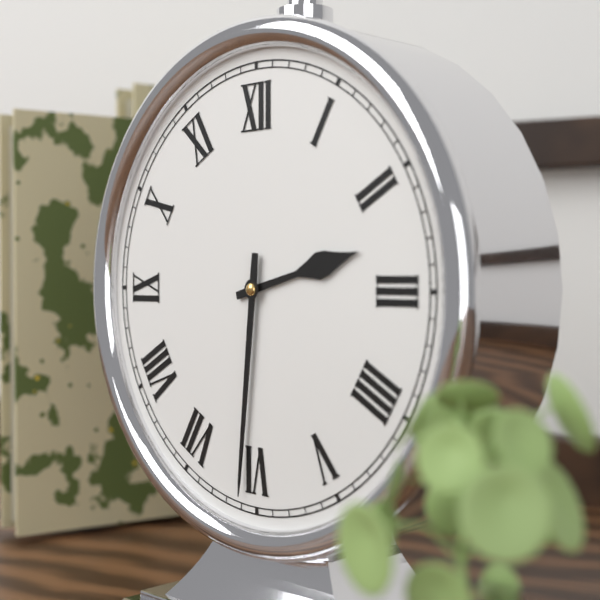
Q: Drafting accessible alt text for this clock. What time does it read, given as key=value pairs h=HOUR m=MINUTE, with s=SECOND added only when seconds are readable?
h=2 m=31
